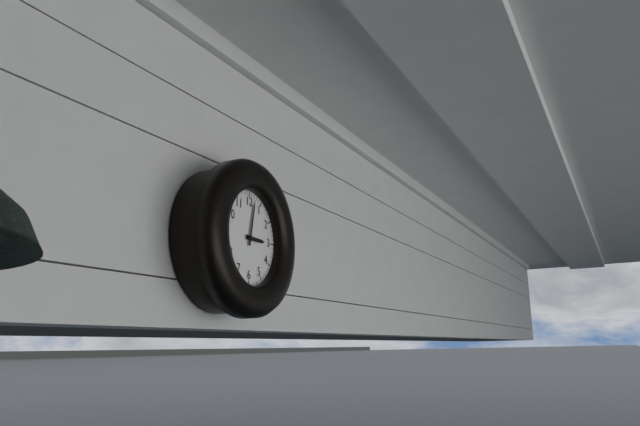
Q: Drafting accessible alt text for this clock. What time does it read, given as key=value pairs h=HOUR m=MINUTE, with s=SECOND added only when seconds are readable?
h=3 m=2
